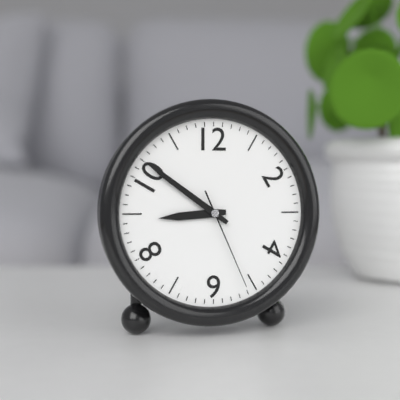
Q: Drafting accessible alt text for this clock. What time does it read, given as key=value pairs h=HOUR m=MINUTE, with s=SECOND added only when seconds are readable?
h=8 m=51 s=26
